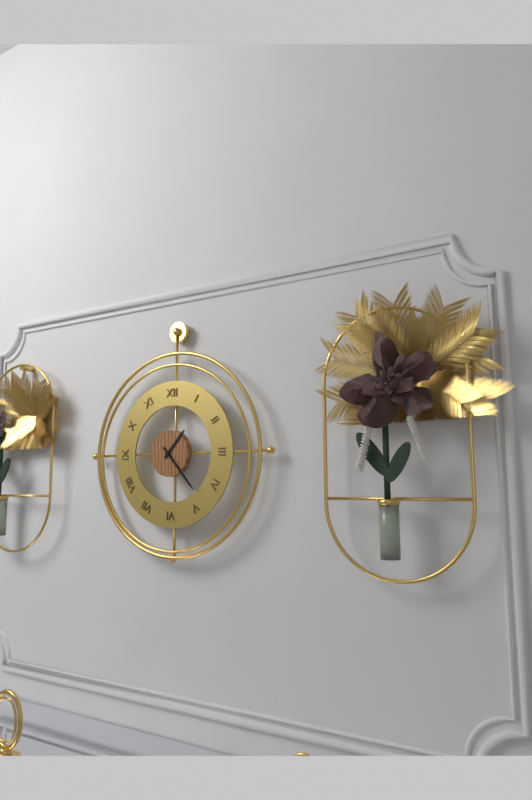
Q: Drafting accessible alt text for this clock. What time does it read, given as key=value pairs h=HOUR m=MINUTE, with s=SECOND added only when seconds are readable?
h=1 m=23
